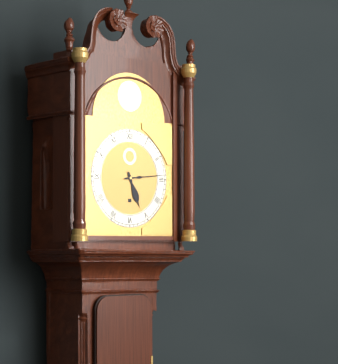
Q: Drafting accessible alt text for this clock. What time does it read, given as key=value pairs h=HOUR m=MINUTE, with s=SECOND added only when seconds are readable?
h=5 m=14
